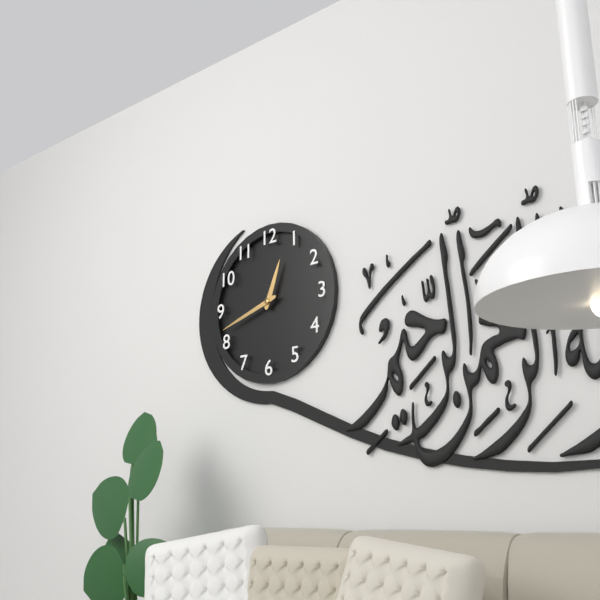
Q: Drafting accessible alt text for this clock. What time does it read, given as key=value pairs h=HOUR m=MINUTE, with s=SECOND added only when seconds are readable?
h=12 m=42
